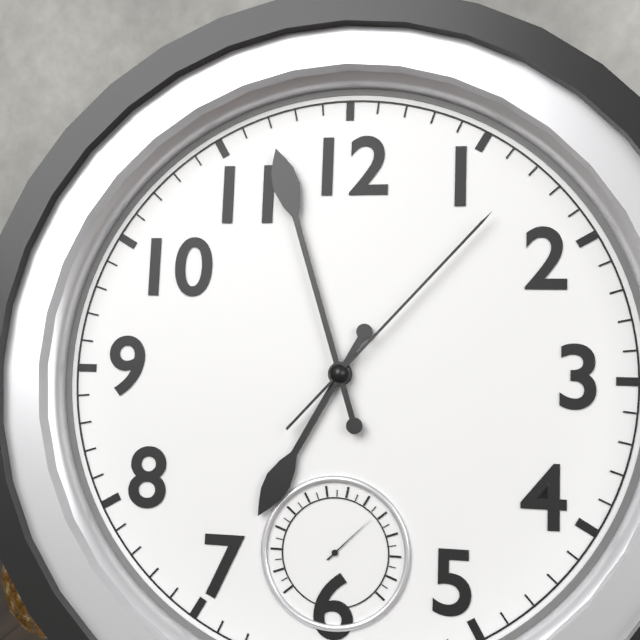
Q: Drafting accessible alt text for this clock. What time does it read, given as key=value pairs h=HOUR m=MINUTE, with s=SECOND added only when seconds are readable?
h=6 m=57 s=7
